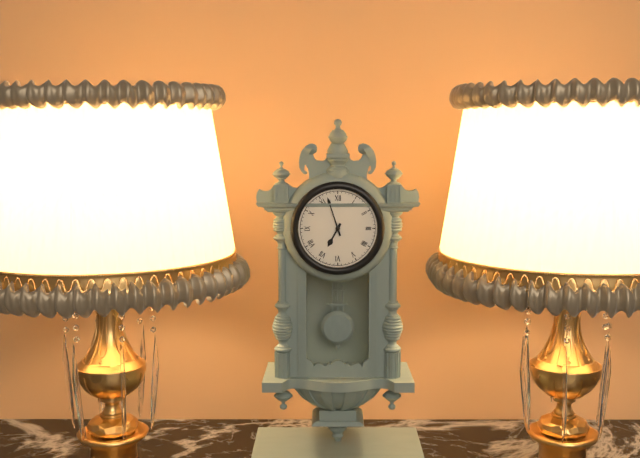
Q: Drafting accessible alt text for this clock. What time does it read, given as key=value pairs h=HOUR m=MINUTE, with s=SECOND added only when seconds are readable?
h=6 m=57
